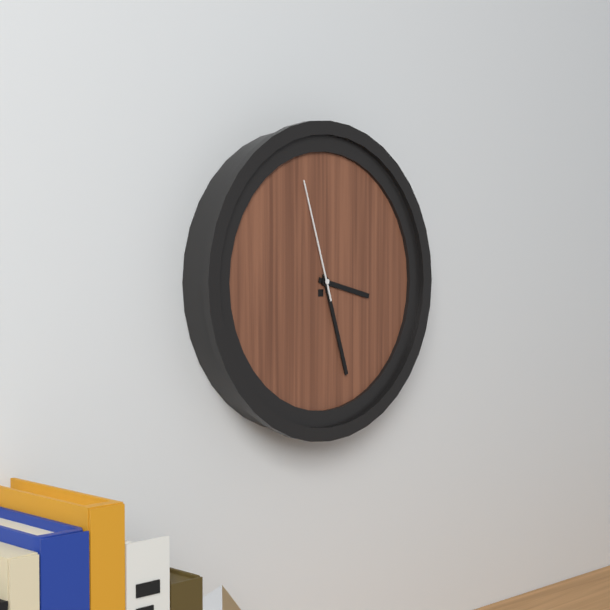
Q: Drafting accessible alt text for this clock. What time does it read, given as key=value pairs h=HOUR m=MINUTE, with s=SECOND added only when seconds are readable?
h=3 m=27 s=57
